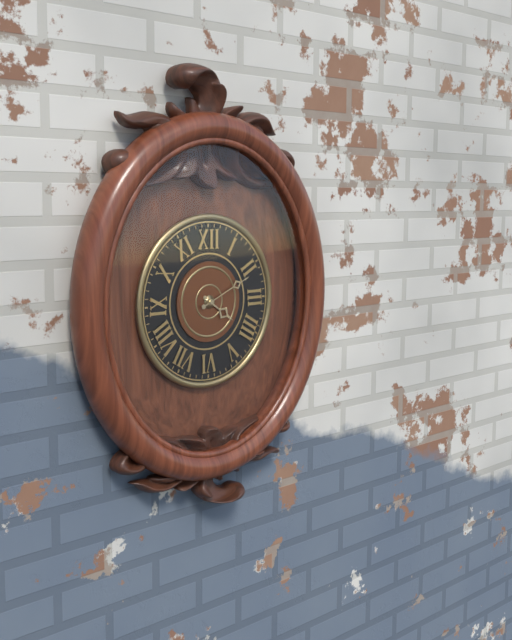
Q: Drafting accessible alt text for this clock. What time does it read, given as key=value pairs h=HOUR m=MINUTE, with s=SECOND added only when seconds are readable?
h=4 m=11
